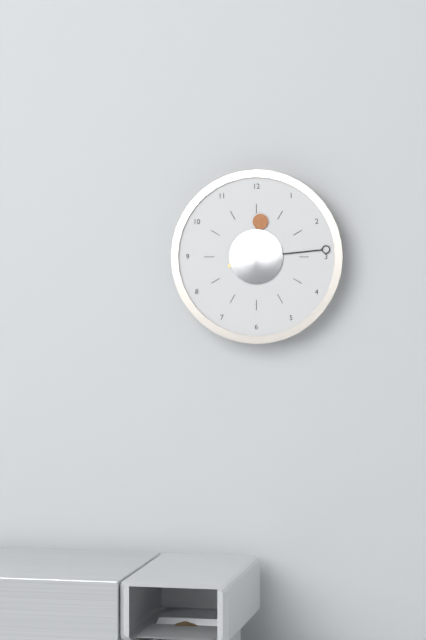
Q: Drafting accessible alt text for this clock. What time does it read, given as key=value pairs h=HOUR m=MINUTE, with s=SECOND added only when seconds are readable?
h=12 m=14
